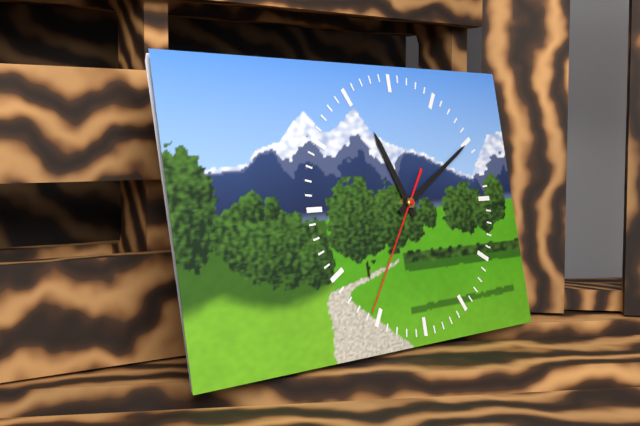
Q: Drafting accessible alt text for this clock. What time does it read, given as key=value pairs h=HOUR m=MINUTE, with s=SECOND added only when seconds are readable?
h=11 m=10 s=36
